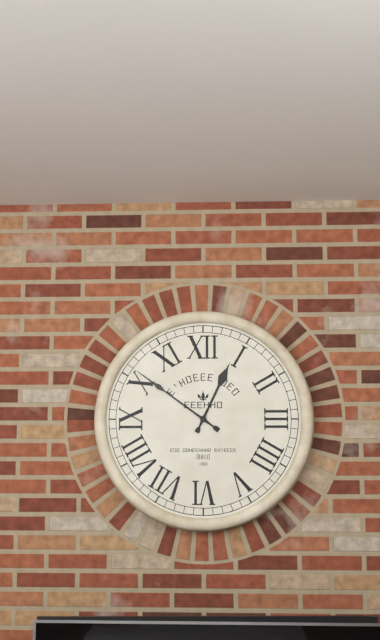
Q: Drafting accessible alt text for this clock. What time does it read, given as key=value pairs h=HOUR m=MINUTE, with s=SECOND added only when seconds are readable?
h=12 m=51
